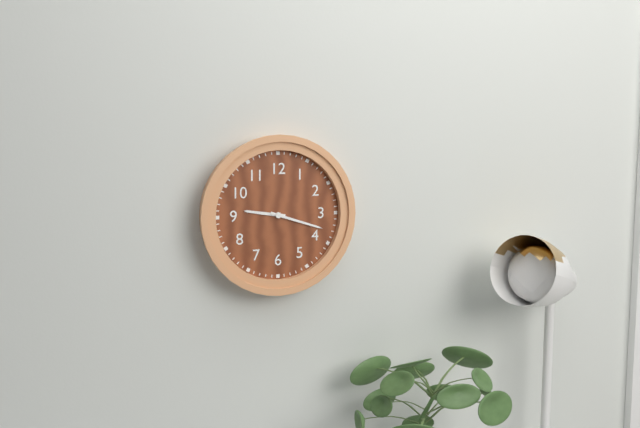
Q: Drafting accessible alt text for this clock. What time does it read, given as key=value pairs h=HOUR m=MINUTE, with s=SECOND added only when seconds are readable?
h=9 m=18
